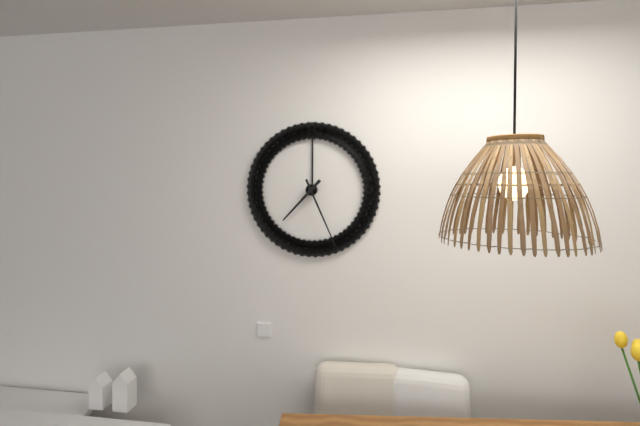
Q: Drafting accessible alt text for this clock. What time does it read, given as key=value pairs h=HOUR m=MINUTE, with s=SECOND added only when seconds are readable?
h=7 m=26
